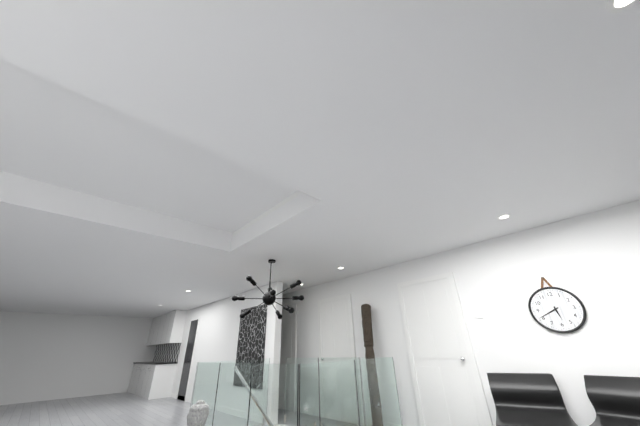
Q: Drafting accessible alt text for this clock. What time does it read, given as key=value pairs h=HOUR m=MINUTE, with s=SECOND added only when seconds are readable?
h=5 m=41
